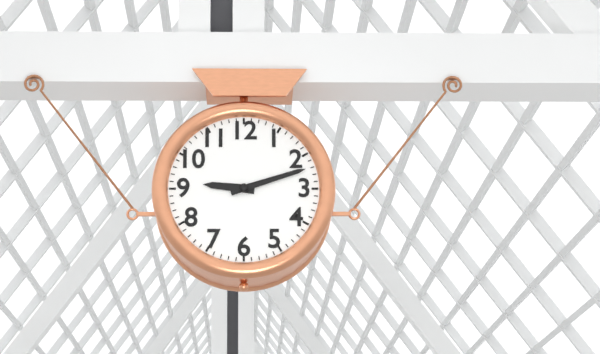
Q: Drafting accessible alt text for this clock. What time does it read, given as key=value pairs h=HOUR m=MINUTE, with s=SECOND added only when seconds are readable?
h=9 m=12
